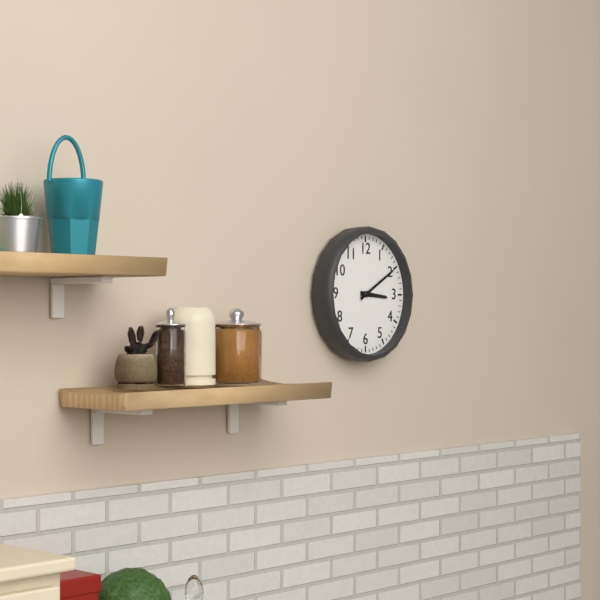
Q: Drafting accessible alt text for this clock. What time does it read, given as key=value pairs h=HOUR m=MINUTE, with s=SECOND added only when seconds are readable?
h=3 m=10
